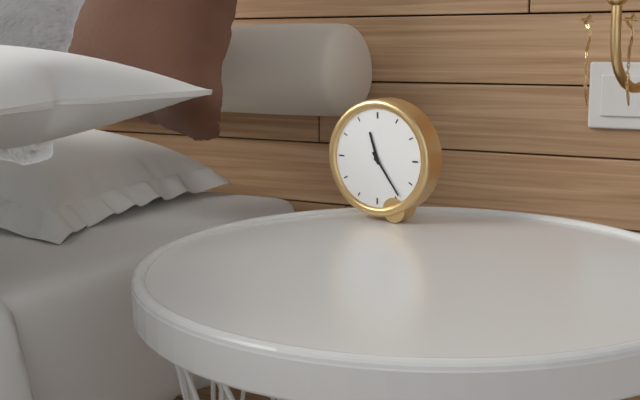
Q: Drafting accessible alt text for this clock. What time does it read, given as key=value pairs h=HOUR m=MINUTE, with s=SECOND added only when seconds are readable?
h=11 m=24
